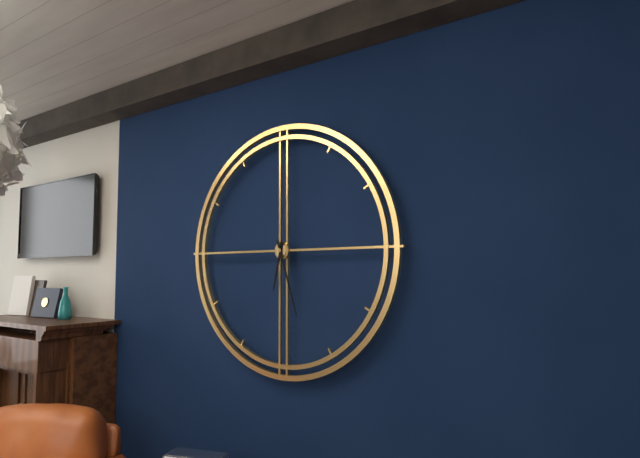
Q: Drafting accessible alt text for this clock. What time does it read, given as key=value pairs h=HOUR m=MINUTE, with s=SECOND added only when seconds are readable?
h=6 m=27
